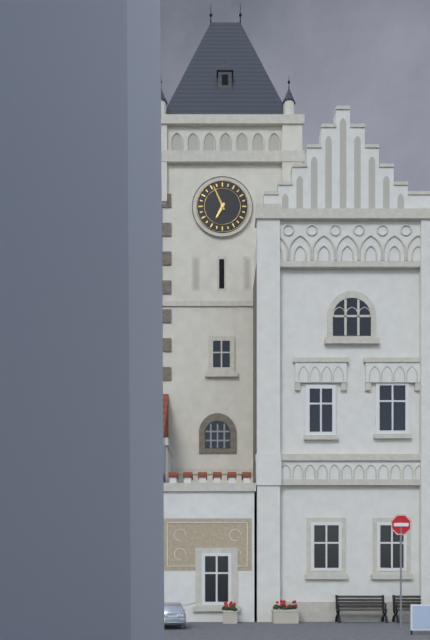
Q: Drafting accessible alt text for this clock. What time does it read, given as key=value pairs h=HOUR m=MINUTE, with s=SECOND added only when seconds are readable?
h=6 m=56
